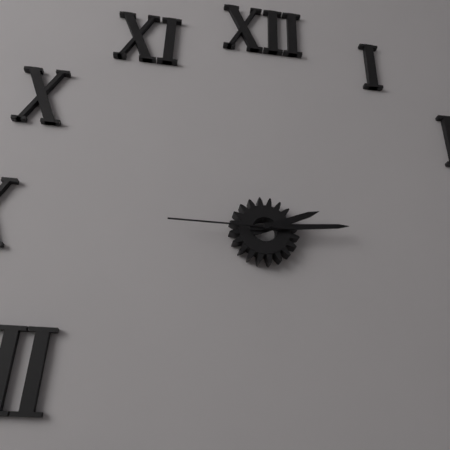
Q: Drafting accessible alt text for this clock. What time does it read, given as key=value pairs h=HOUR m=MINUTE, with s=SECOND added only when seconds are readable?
h=2 m=14 s=45
